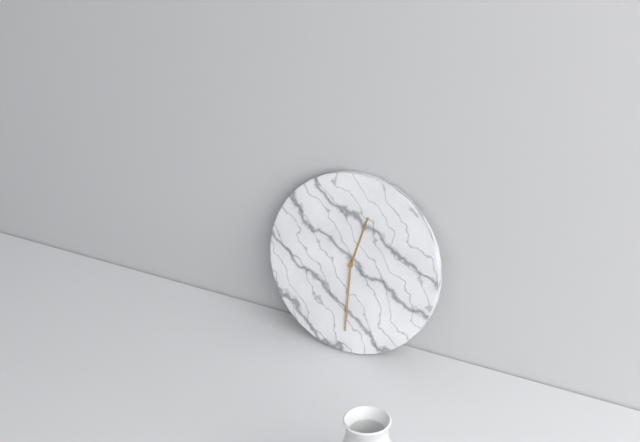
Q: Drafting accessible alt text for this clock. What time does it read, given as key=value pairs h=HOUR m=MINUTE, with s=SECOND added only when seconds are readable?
h=12 m=30
